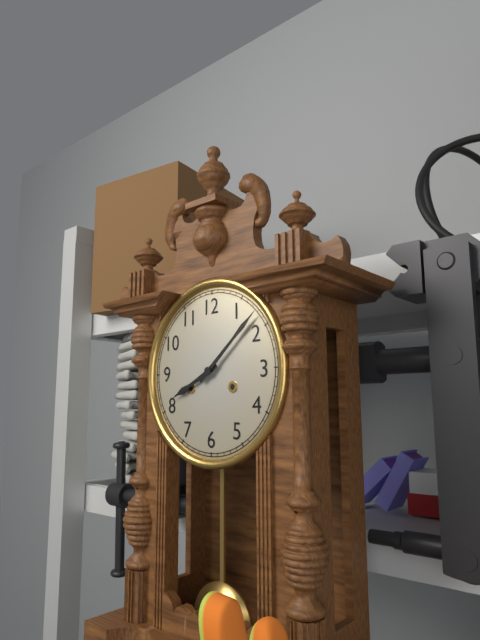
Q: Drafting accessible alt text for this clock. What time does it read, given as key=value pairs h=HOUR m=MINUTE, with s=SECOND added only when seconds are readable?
h=8 m=8
